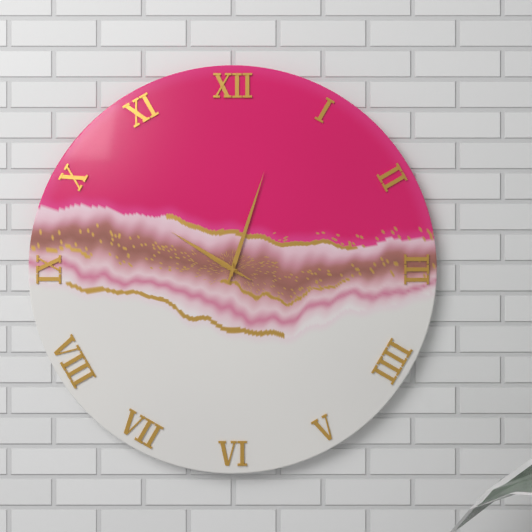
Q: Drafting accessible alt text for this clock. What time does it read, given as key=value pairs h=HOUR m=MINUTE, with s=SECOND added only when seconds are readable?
h=10 m=3 s=50
